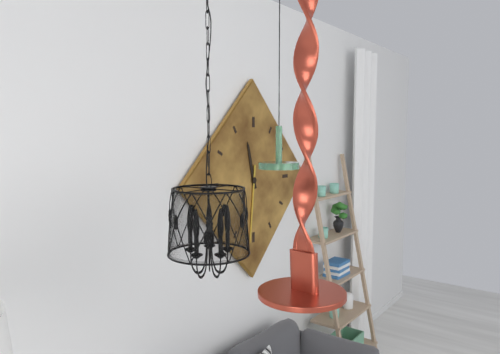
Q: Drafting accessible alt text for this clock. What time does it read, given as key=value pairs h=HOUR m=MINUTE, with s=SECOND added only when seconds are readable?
h=11 m=31
